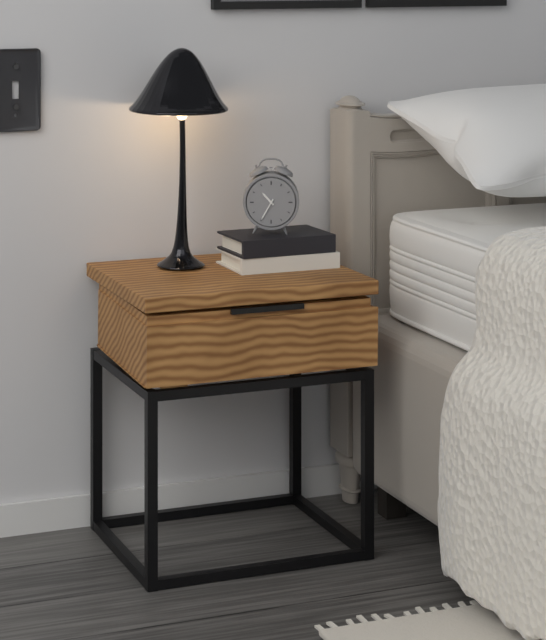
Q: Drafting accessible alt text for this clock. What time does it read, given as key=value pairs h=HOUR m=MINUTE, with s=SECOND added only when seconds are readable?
h=10 m=35
